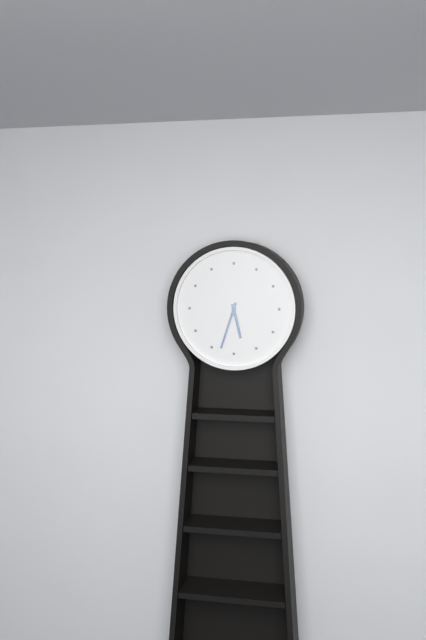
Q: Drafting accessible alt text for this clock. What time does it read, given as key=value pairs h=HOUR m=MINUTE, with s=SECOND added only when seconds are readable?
h=5 m=33
